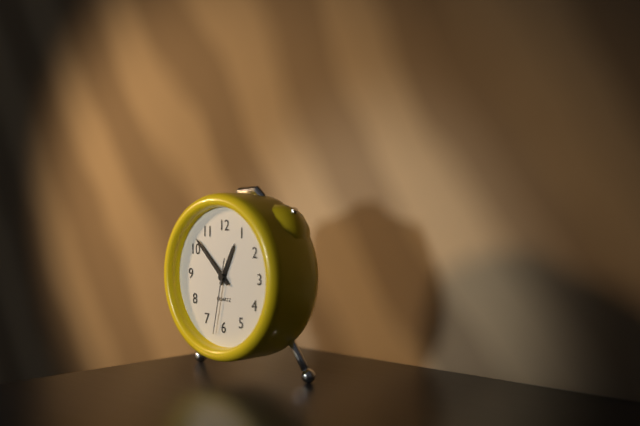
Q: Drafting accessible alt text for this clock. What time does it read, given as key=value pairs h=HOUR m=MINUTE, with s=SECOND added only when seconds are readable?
h=12 m=52 s=32
